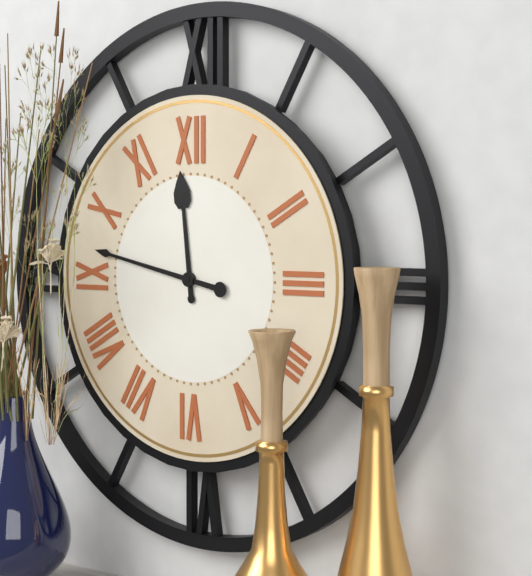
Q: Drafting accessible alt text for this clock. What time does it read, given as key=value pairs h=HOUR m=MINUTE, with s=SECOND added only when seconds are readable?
h=11 m=47
